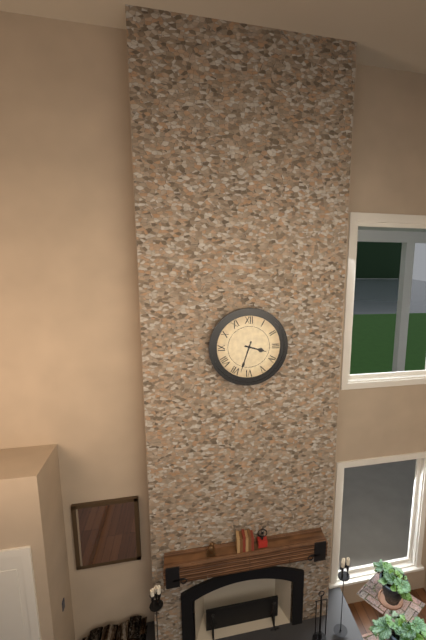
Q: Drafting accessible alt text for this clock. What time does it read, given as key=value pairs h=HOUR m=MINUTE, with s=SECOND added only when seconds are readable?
h=3 m=33
